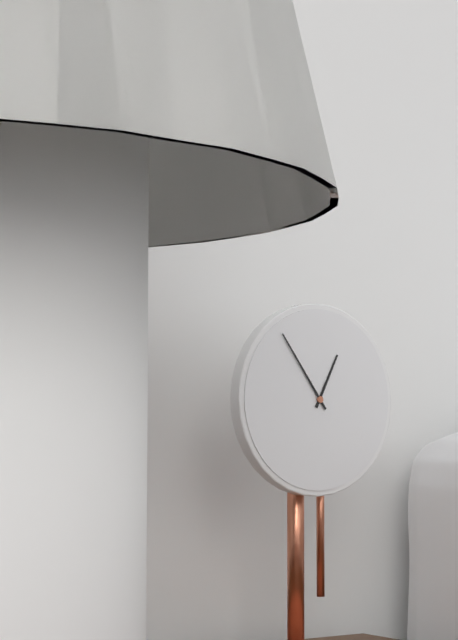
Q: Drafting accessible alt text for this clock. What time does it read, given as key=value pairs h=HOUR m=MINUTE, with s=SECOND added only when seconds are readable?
h=12 m=54
